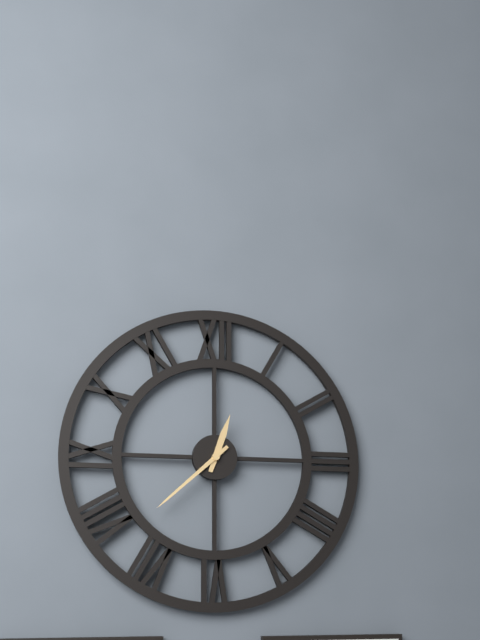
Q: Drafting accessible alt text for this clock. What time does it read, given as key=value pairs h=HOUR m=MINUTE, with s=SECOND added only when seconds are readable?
h=12 m=38
